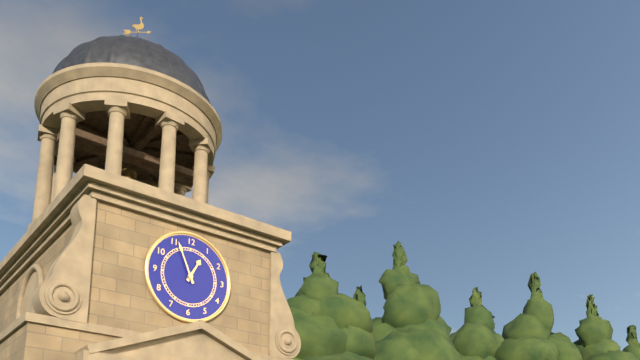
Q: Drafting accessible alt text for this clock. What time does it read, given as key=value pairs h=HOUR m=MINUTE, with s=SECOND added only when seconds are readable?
h=12 m=56
